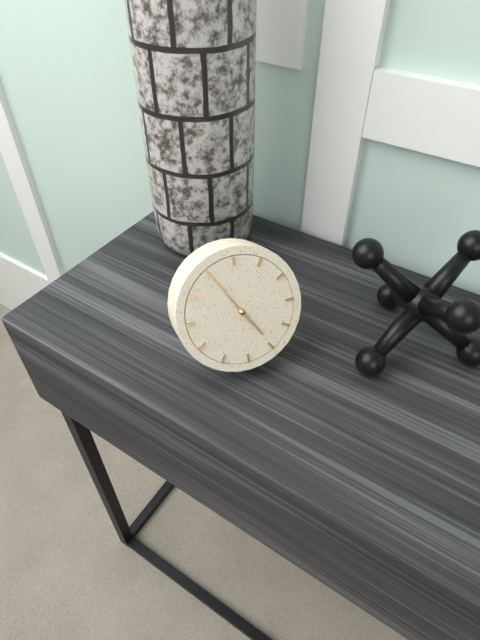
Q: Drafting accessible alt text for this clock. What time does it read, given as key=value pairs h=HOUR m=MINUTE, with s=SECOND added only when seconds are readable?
h=4 m=55
